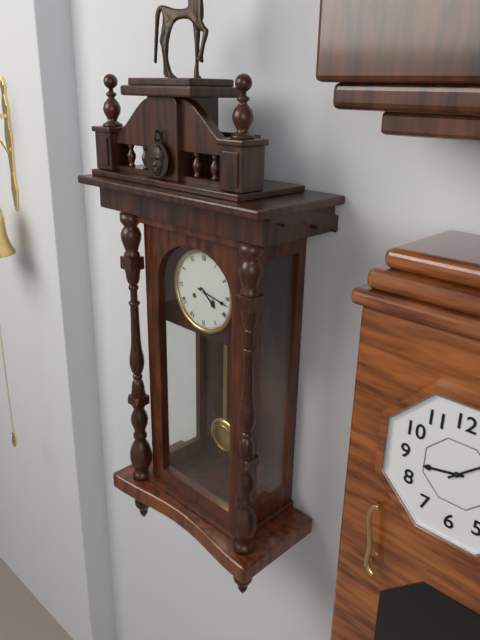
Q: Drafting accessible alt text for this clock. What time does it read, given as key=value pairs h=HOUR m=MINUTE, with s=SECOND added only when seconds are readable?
h=4 m=17
